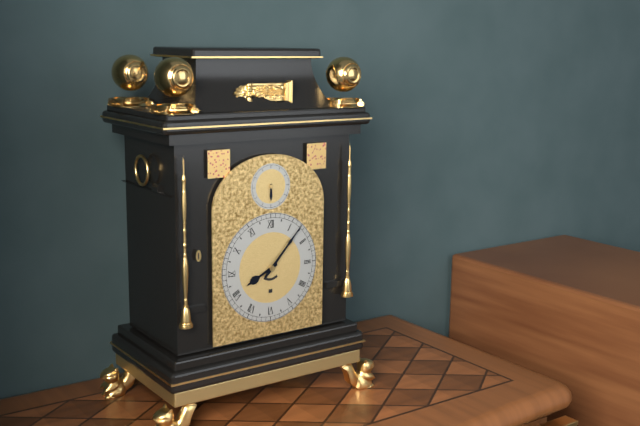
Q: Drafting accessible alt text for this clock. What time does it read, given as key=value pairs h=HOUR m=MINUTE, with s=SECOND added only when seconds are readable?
h=8 m=7
